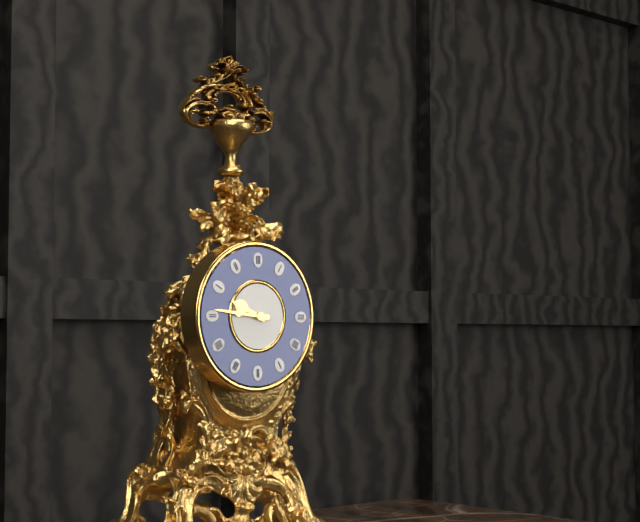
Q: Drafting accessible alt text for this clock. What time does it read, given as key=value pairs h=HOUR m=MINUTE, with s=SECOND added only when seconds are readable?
h=9 m=46
